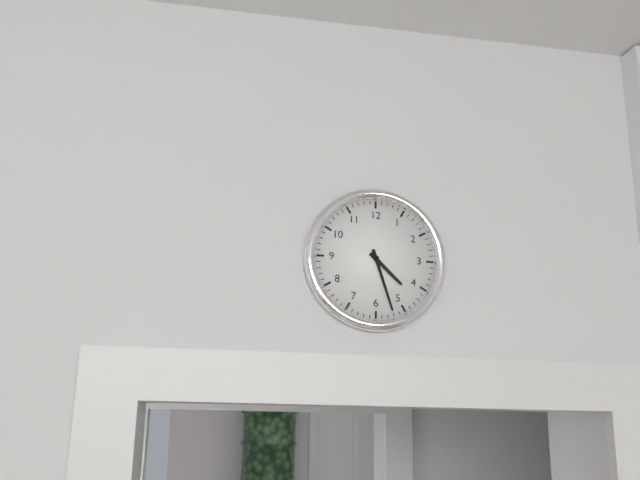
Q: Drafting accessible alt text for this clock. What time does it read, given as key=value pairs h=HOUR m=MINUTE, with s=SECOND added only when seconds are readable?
h=4 m=27
